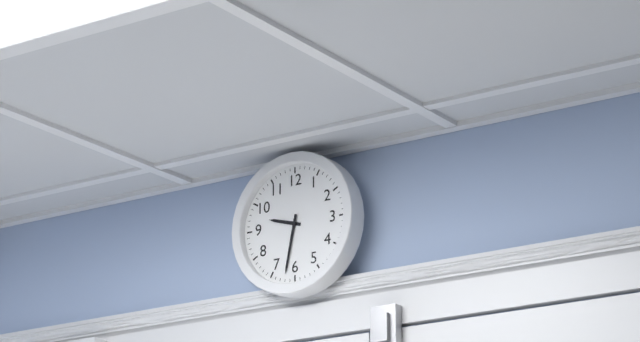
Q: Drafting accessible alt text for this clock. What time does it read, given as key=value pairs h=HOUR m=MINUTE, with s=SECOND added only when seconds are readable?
h=9 m=32
